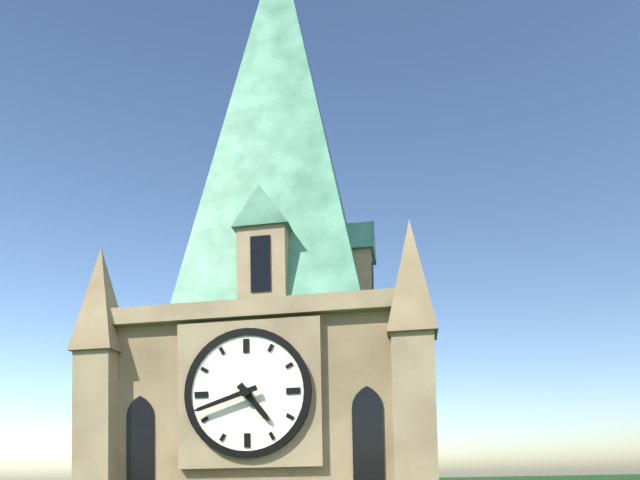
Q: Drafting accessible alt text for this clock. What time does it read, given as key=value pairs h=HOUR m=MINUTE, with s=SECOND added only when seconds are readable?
h=4 m=42
